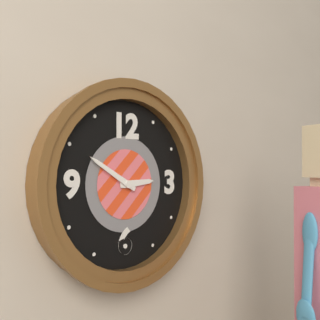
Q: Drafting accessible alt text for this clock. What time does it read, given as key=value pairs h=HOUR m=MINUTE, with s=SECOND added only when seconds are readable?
h=2 m=50
